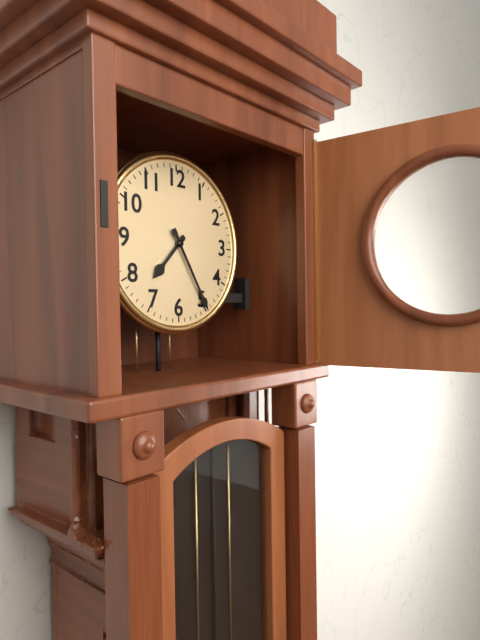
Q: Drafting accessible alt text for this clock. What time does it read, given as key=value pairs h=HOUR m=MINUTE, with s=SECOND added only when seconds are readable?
h=7 m=25
